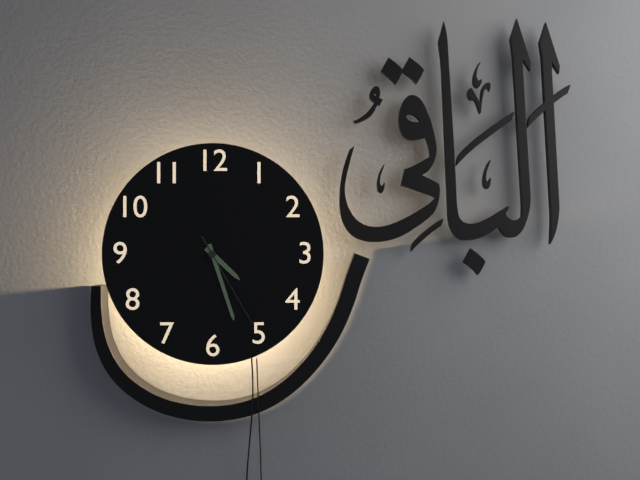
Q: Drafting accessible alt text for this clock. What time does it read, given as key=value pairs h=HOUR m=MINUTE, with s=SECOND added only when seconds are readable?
h=4 m=27 s=25
